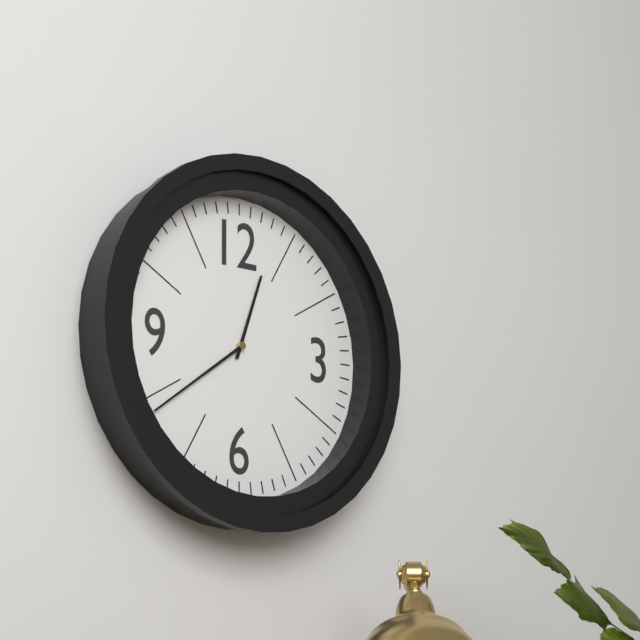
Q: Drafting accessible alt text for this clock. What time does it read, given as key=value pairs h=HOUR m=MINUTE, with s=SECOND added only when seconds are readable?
h=12 m=39
